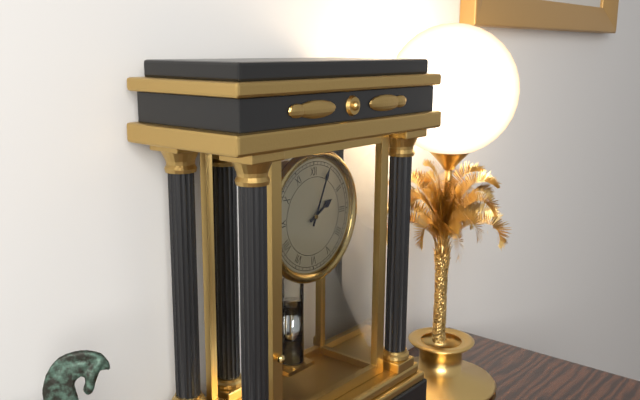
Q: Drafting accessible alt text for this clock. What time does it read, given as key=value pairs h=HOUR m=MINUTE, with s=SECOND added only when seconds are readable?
h=2 m=4
